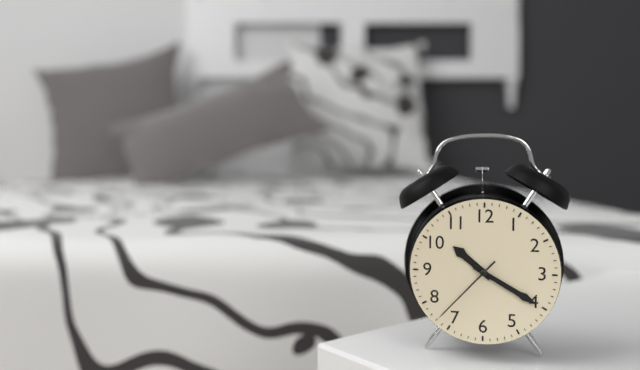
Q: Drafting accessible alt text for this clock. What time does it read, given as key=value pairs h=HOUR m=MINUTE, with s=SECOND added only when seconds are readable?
h=10 m=20 s=37
